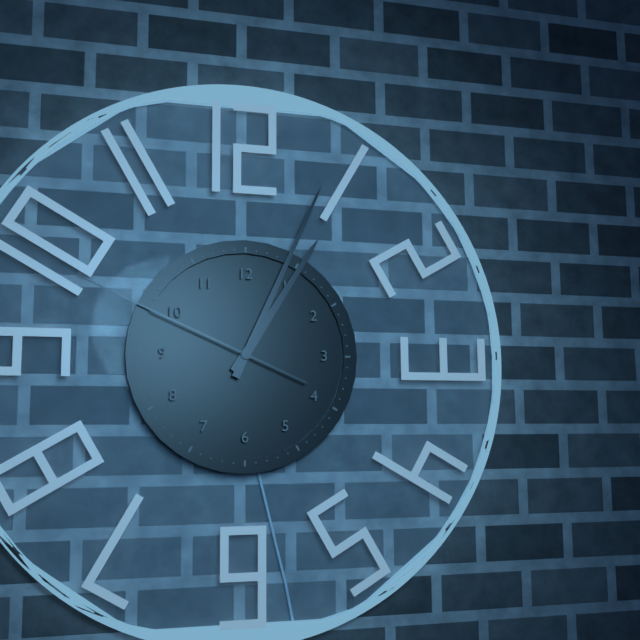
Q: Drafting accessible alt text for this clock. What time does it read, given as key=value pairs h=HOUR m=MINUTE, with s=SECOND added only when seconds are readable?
h=1 m=4 s=49
